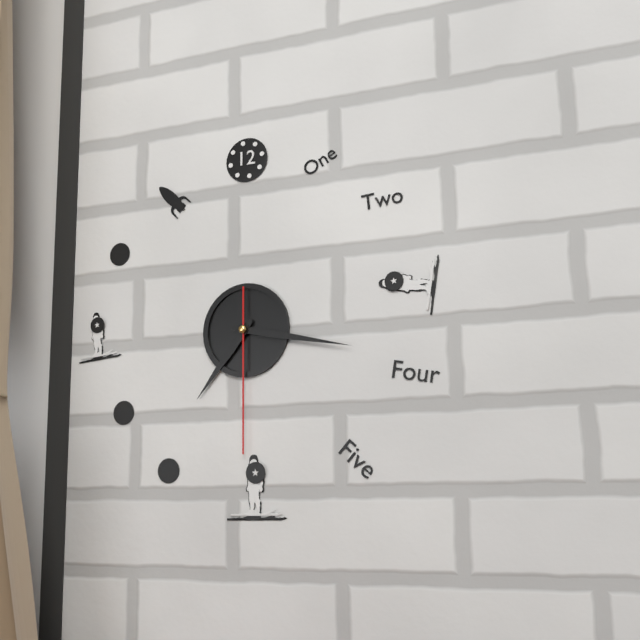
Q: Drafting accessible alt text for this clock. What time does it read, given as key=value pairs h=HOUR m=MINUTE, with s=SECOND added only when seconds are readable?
h=7 m=17 s=30
